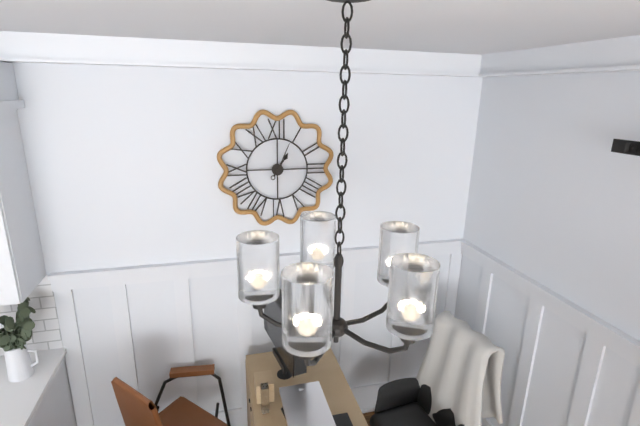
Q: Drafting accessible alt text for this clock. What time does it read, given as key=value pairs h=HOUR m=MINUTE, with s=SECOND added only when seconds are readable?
h=1 m=4
